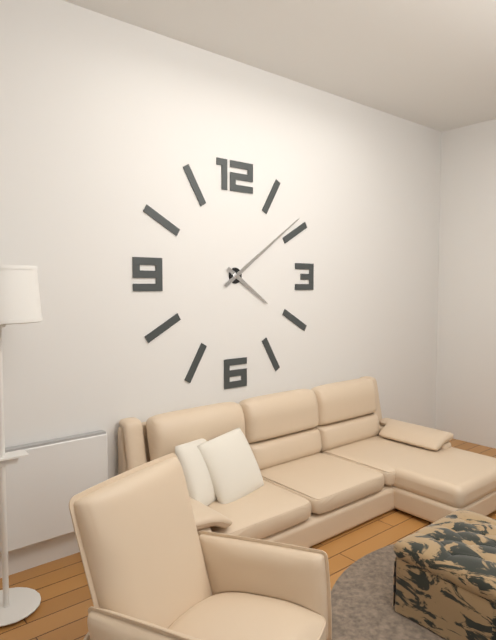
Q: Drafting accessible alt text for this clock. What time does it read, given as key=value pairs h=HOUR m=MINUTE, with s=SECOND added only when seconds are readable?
h=4 m=9
